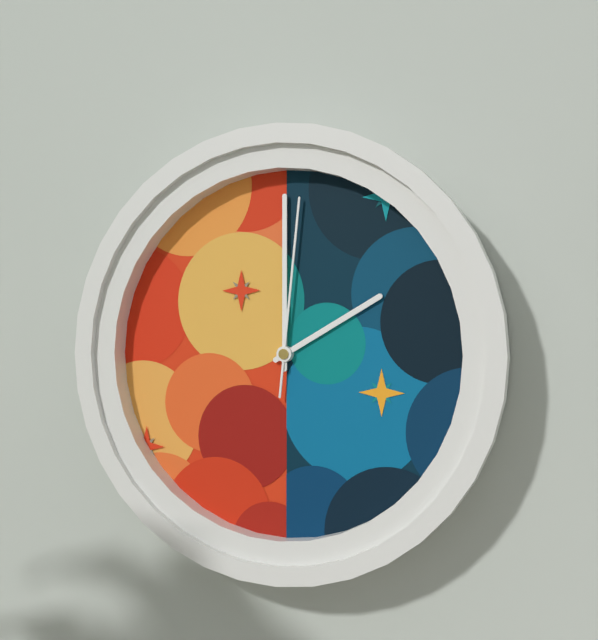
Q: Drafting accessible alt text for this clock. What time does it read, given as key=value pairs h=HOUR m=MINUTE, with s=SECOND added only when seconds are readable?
h=2 m=0 s=1
